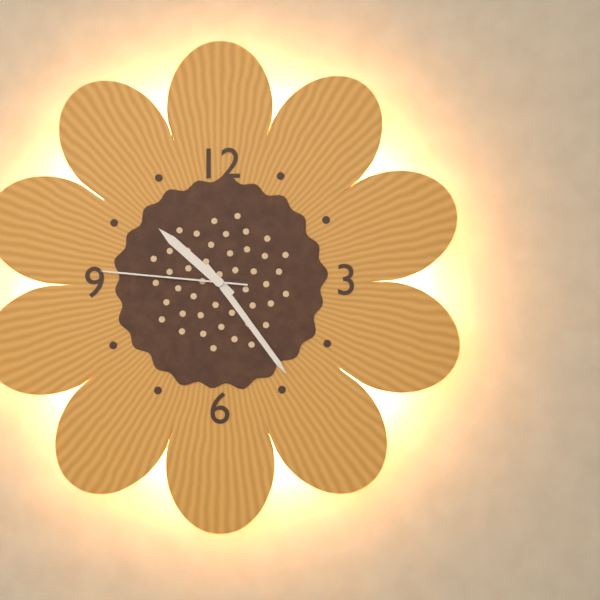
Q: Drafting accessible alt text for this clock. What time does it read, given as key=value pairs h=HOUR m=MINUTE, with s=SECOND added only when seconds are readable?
h=10 m=24 s=46
